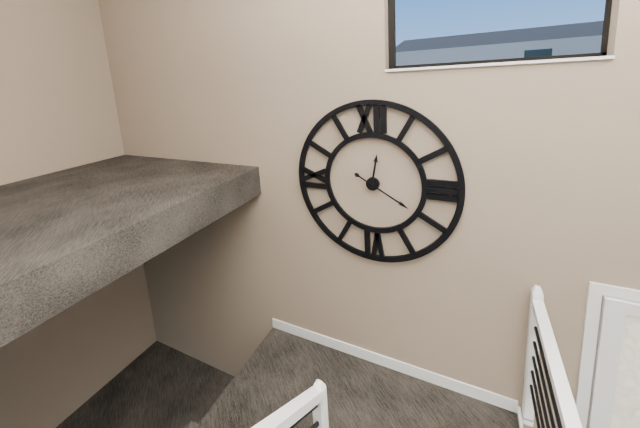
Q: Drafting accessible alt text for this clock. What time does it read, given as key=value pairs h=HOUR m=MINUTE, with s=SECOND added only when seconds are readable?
h=12 m=20
